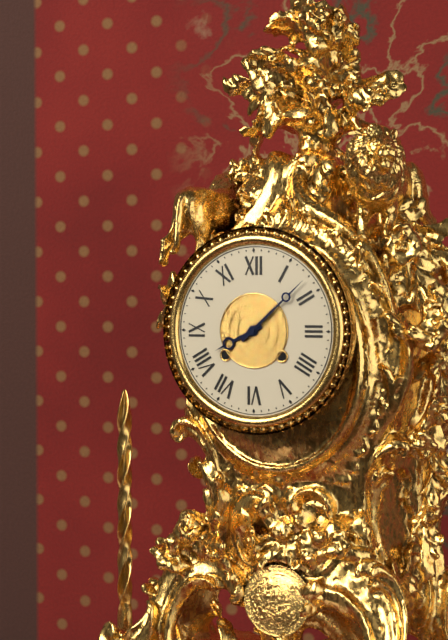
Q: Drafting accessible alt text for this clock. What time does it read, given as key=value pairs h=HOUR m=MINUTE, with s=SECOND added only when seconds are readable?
h=8 m=8
